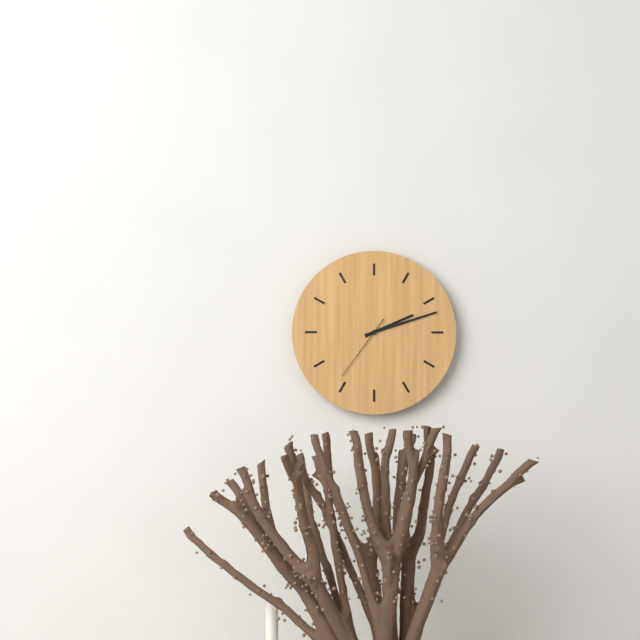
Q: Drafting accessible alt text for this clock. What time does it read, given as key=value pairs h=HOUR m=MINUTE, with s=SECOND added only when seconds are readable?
h=2 m=12 s=36
